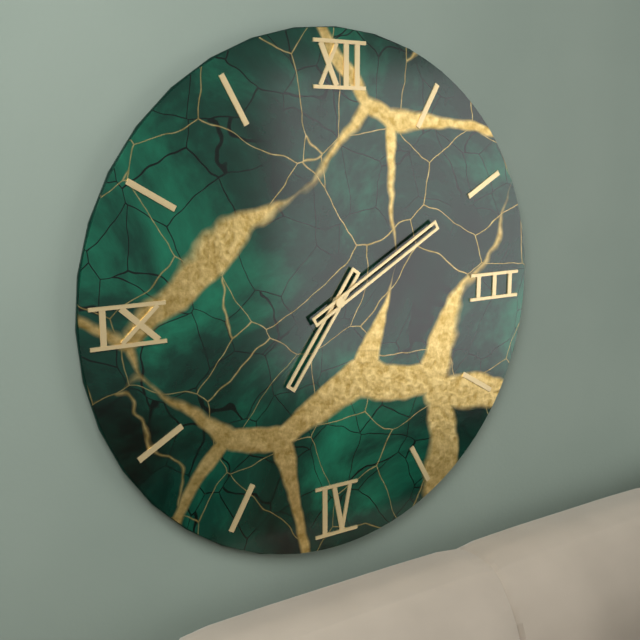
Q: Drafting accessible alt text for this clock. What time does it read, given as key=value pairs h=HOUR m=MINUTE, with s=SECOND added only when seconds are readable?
h=7 m=10
